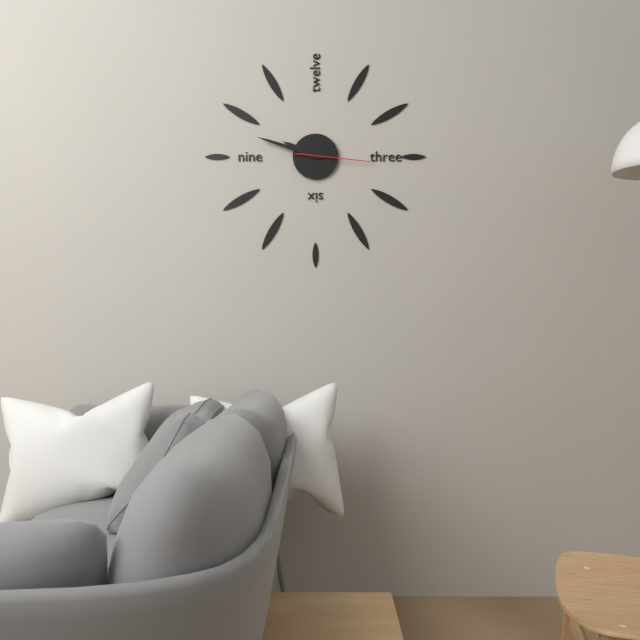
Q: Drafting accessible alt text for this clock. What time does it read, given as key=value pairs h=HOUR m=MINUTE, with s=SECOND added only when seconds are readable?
h=9 m=48 s=16
